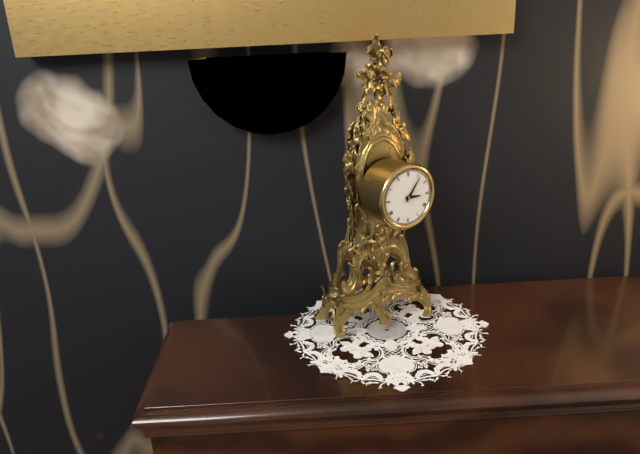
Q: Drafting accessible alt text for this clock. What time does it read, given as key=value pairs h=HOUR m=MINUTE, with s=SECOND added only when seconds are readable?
h=3 m=6
